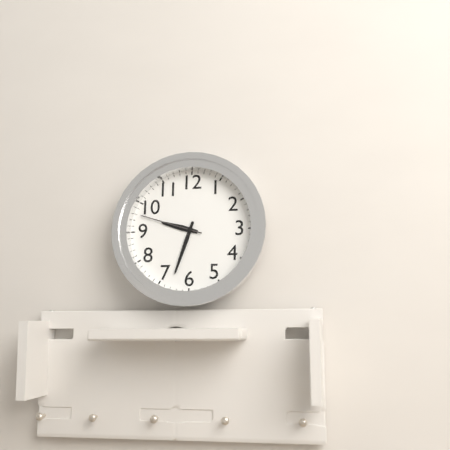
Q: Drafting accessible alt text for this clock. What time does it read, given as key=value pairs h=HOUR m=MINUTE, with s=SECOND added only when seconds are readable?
h=9 m=33 s=48
